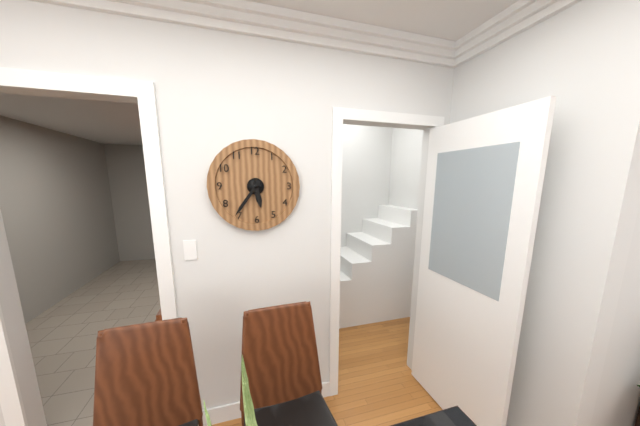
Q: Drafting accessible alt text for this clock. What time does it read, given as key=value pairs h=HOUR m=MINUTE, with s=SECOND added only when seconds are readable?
h=5 m=36
